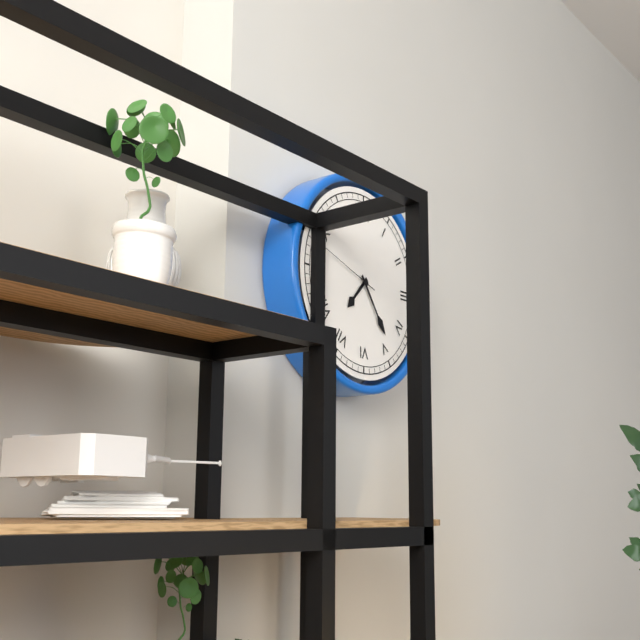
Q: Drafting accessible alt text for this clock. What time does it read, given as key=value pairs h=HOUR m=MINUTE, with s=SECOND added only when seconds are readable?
h=7 m=24 s=48
